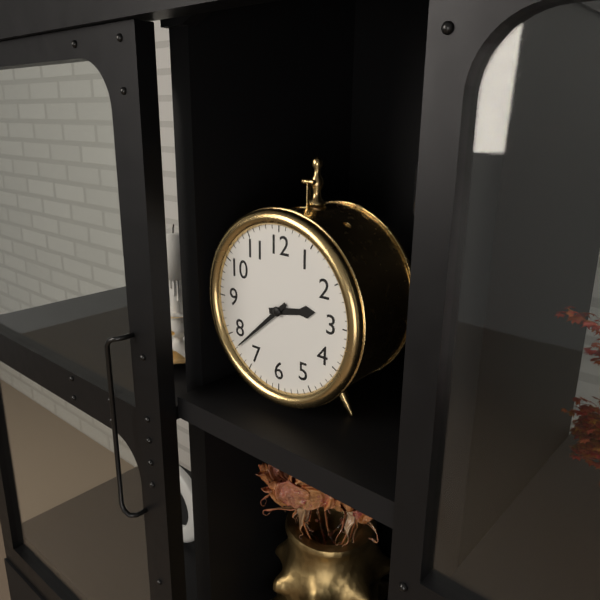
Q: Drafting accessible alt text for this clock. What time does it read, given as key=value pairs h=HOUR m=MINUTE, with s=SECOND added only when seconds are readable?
h=2 m=38
